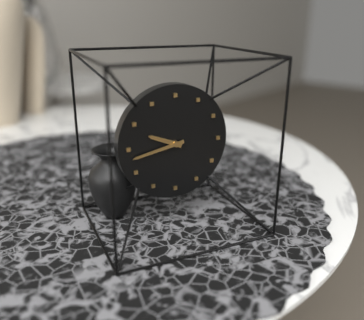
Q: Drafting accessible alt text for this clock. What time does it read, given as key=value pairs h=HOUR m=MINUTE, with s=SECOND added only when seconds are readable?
h=9 m=43
